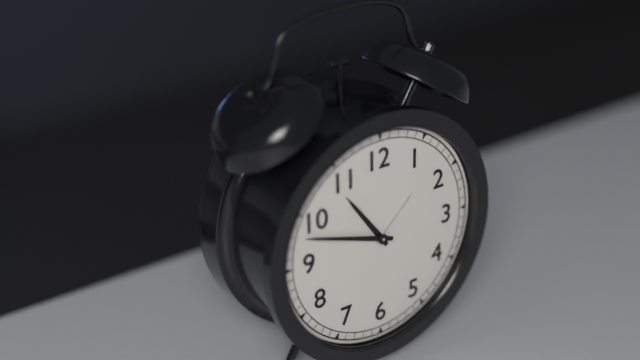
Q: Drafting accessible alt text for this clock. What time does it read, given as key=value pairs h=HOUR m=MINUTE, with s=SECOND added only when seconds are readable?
h=10 m=48
